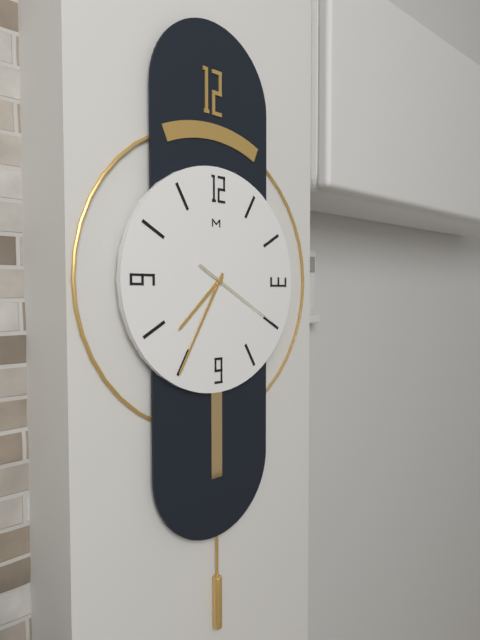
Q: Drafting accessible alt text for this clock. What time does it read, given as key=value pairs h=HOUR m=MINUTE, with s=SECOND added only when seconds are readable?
h=7 m=35 s=20
